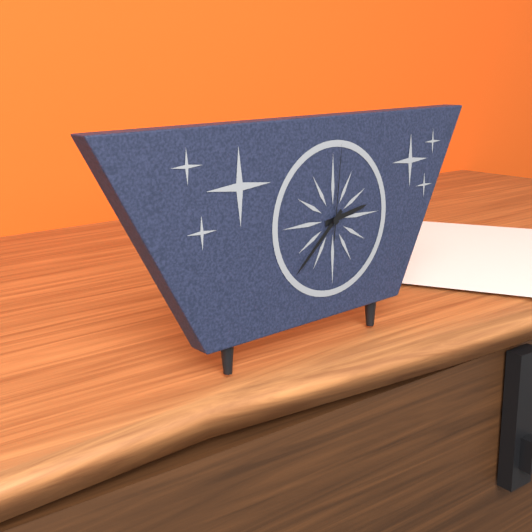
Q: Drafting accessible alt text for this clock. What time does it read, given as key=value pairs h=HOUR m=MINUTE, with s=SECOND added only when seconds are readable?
h=2 m=38 s=1
